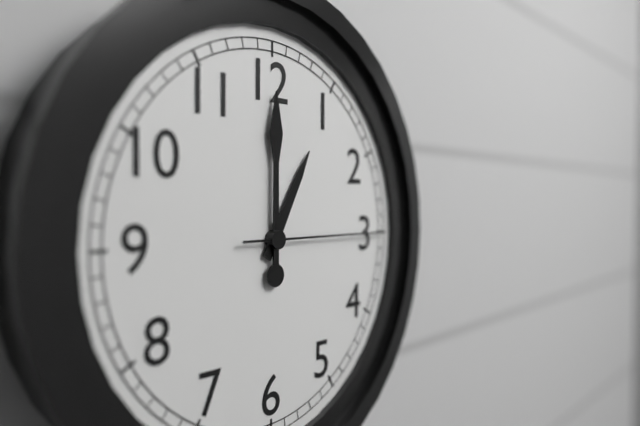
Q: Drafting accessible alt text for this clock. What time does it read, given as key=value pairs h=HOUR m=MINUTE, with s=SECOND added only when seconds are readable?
h=1 m=0 s=15
